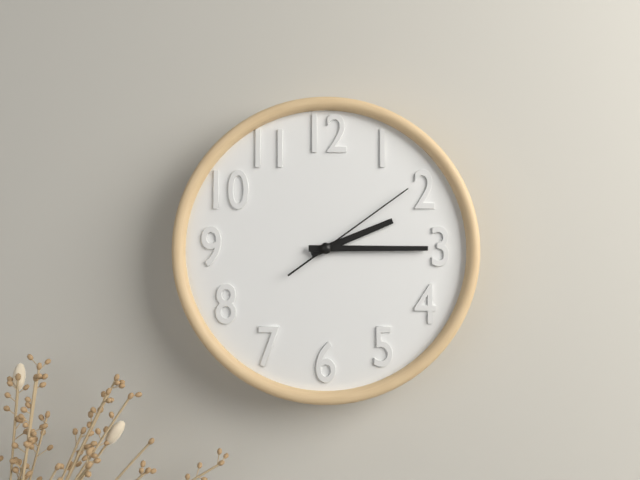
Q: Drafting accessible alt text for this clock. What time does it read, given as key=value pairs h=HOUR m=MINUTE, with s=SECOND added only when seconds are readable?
h=2 m=15 s=9
